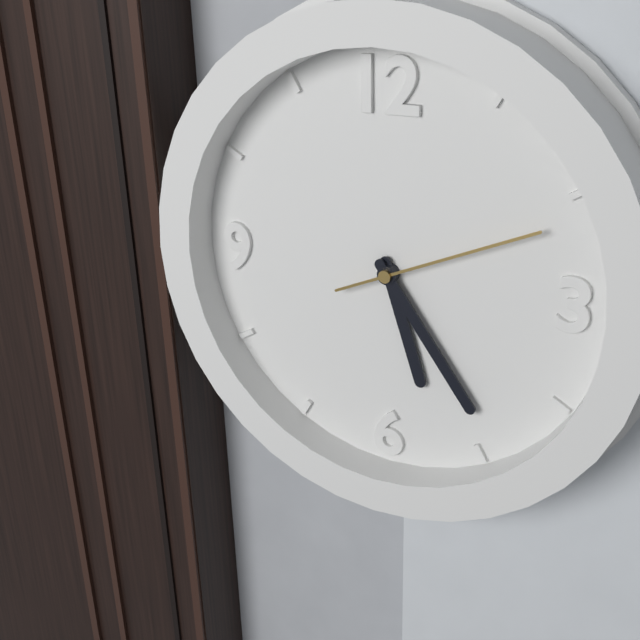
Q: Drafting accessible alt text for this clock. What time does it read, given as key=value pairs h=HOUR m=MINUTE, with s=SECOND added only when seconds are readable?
h=5 m=24 s=11
